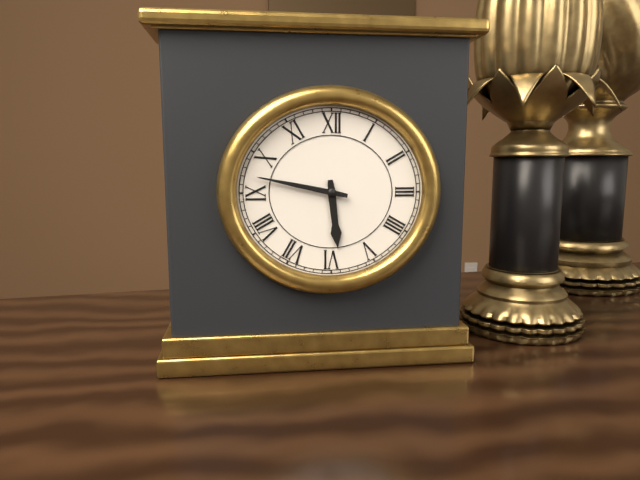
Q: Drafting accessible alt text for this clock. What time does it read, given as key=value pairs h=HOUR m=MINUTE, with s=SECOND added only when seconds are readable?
h=5 m=47
